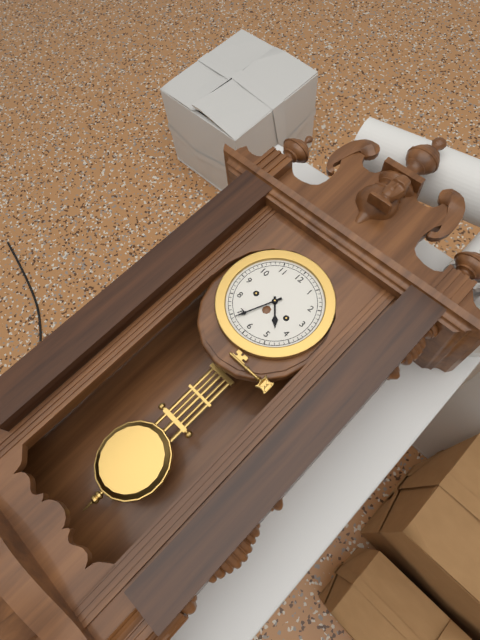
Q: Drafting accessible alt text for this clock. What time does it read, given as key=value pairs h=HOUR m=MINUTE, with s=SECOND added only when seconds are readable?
h=4 m=34
